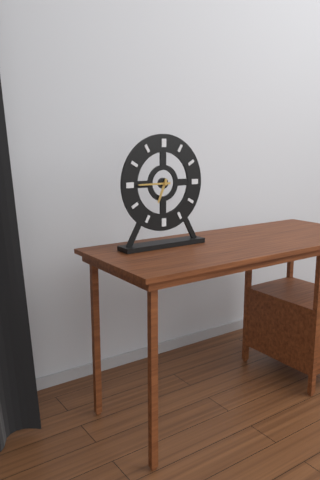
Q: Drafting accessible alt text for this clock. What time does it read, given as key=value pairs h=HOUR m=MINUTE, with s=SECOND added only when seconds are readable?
h=6 m=45
